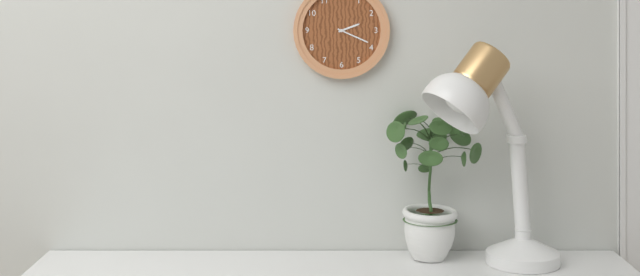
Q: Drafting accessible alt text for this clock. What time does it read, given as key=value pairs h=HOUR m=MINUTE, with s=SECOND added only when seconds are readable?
h=2 m=19
